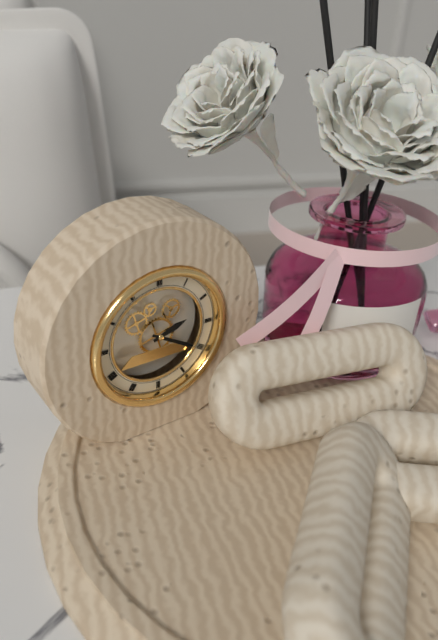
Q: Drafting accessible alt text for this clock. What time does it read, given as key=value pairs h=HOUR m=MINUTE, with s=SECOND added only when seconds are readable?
h=2 m=20
